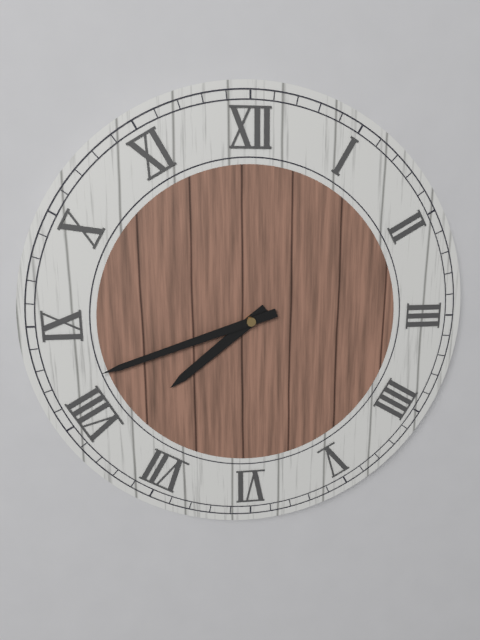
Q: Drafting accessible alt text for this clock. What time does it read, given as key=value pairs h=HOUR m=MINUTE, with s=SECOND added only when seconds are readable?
h=7 m=42
